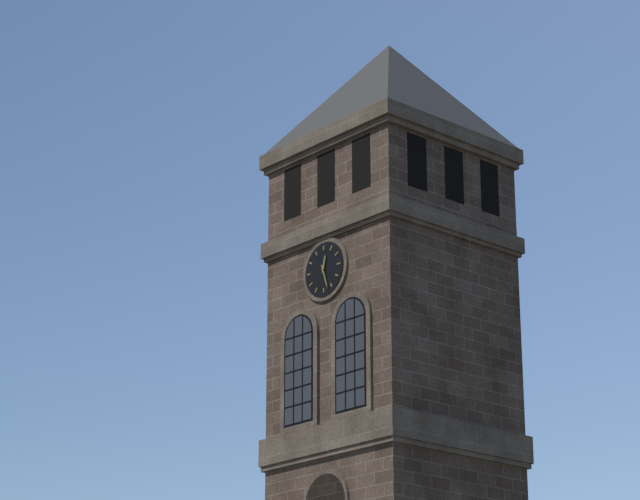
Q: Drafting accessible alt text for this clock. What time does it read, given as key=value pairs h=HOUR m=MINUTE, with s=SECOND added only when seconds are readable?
h=12 m=27
